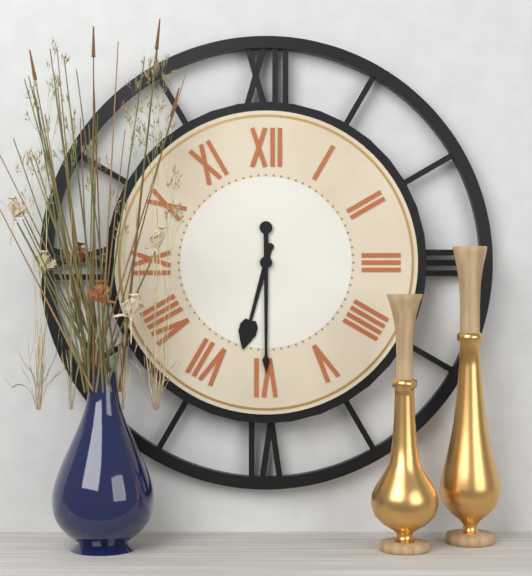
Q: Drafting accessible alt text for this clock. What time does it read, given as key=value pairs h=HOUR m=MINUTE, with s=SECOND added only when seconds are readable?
h=6 m=30
